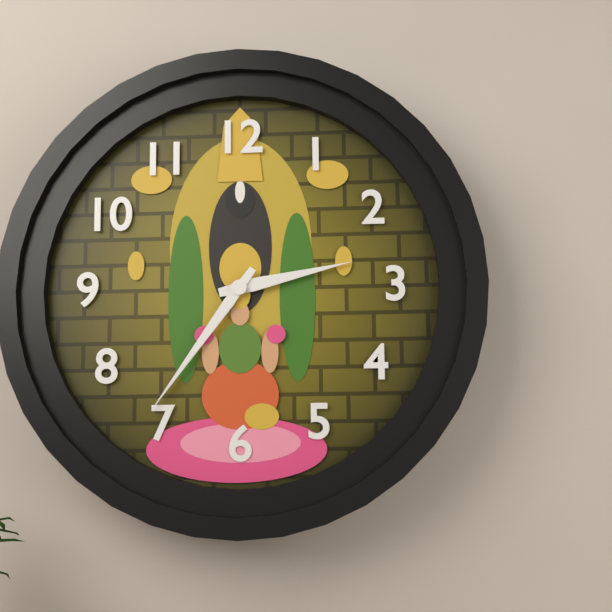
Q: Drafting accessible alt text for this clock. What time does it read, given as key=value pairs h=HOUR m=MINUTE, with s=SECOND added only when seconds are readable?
h=2 m=36
